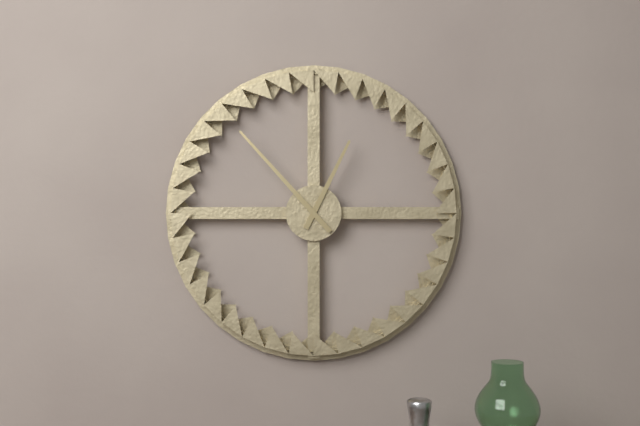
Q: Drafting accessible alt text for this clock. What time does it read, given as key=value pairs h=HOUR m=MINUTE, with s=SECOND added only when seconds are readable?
h=12 m=53
